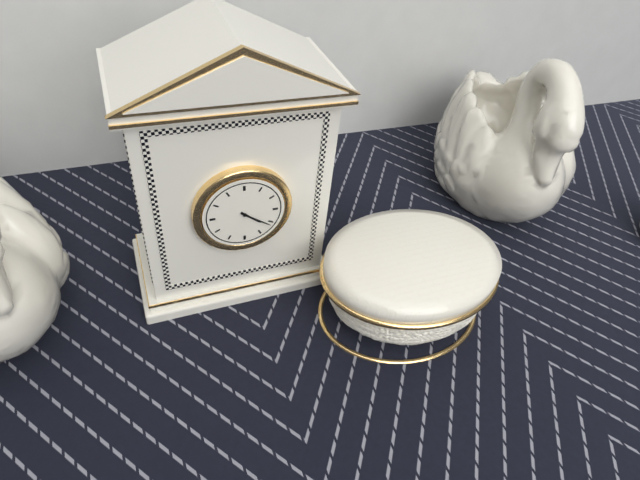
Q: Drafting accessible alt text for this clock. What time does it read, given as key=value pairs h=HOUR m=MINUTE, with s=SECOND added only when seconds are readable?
h=4 m=21
